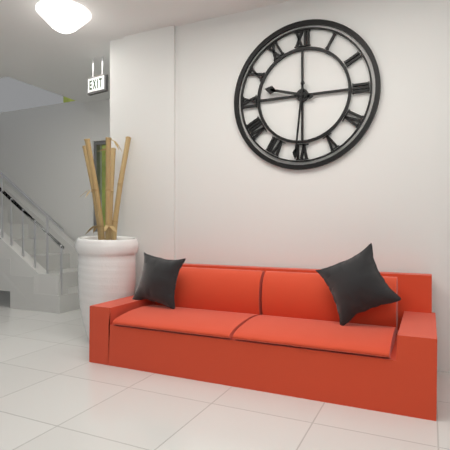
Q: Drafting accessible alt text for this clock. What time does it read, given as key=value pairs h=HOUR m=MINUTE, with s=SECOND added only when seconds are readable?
h=9 m=31
